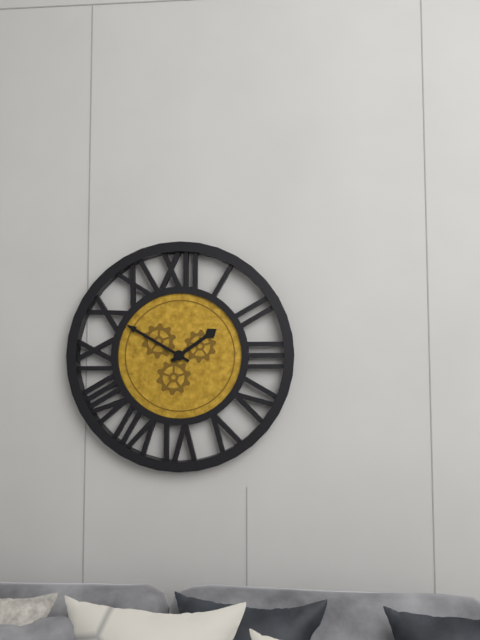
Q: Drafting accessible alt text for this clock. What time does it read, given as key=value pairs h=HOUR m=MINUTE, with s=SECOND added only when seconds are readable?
h=1 m=50
